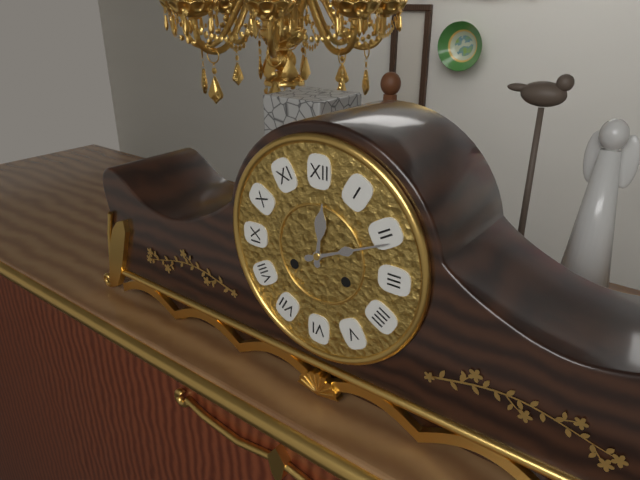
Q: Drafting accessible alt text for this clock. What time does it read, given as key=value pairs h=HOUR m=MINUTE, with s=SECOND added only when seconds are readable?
h=12 m=11
